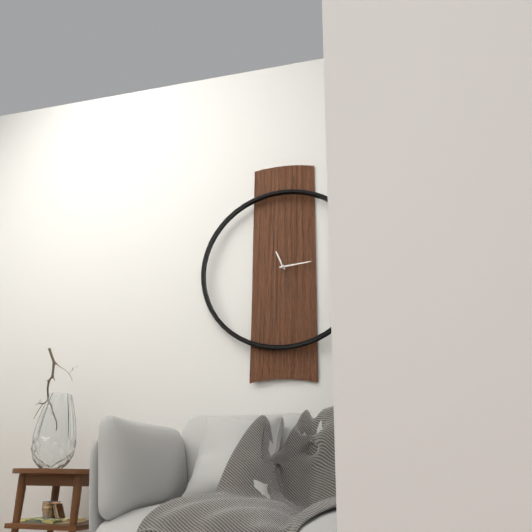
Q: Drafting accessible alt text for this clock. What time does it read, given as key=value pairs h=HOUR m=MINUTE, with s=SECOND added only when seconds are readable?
h=11 m=14
